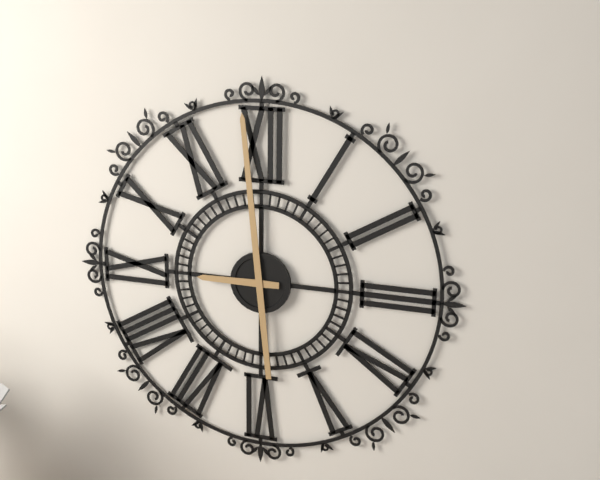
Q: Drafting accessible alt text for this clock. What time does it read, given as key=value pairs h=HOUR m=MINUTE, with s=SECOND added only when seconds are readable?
h=8 m=59
